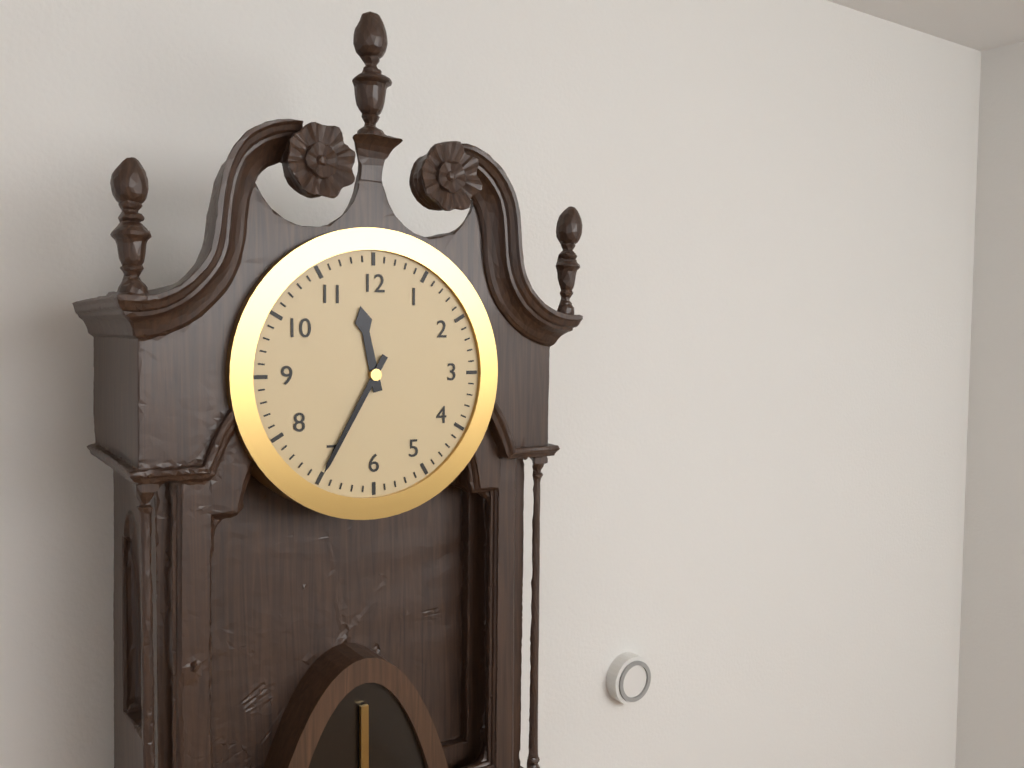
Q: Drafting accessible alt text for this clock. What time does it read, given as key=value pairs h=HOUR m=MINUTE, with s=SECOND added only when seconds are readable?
h=11 m=35
